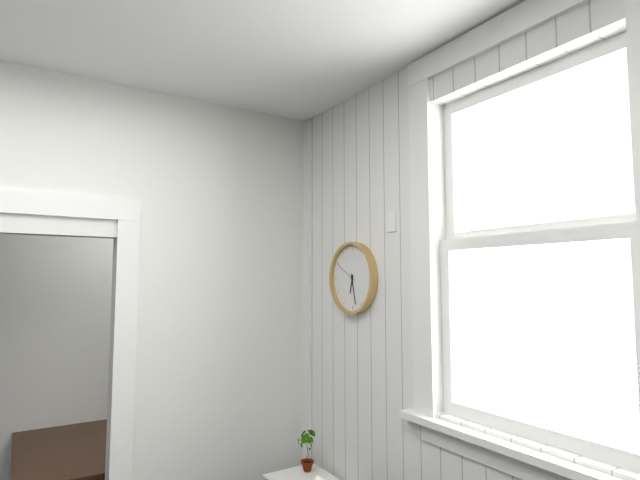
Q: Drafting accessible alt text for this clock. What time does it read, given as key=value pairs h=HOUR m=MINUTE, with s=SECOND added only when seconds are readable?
h=6 m=28
